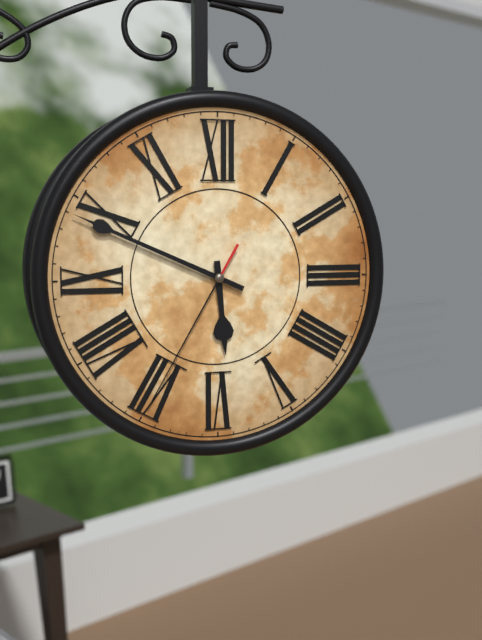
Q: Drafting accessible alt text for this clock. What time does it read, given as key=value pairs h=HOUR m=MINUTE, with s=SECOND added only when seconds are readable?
h=5 m=49 s=35
